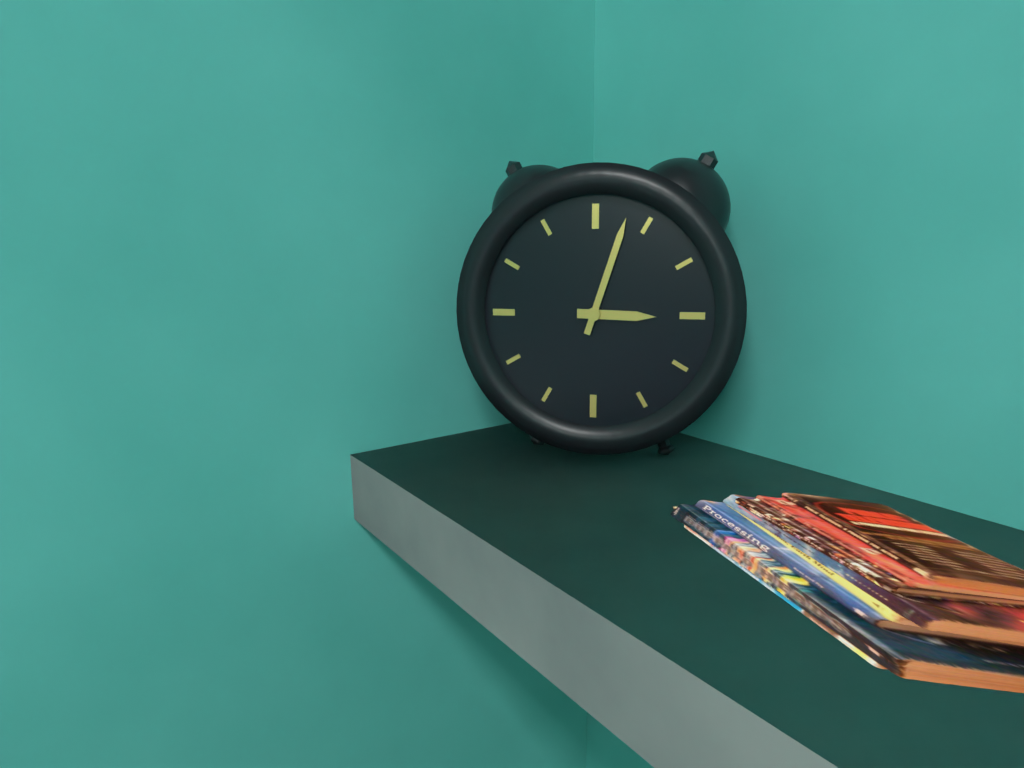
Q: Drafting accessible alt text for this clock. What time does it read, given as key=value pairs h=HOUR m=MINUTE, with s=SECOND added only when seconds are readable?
h=3 m=3
